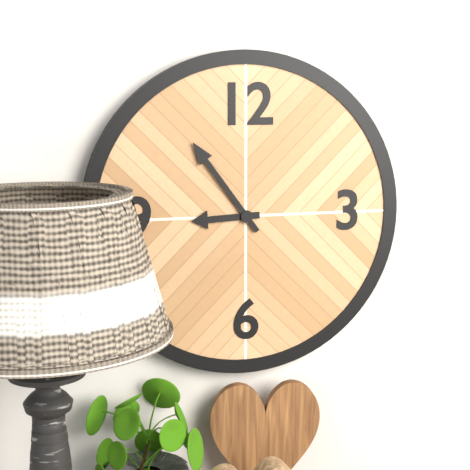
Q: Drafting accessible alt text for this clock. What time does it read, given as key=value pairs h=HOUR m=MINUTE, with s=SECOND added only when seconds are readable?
h=8 m=54
